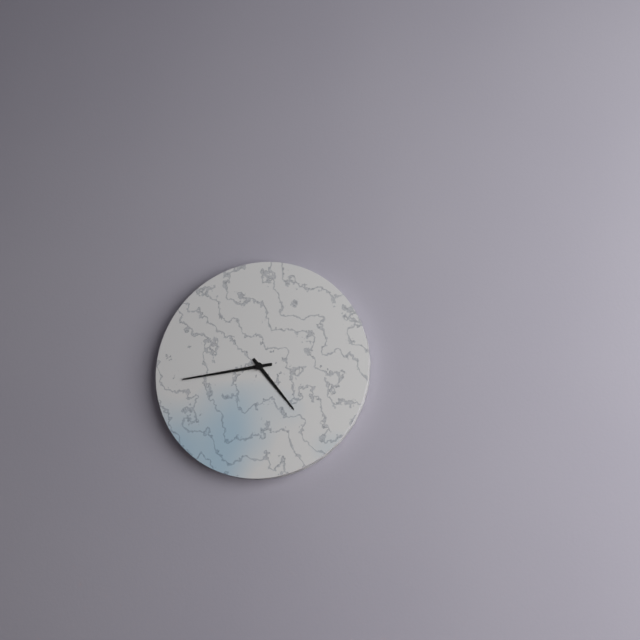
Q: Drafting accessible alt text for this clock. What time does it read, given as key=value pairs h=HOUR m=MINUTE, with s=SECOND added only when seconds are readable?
h=4 m=44
